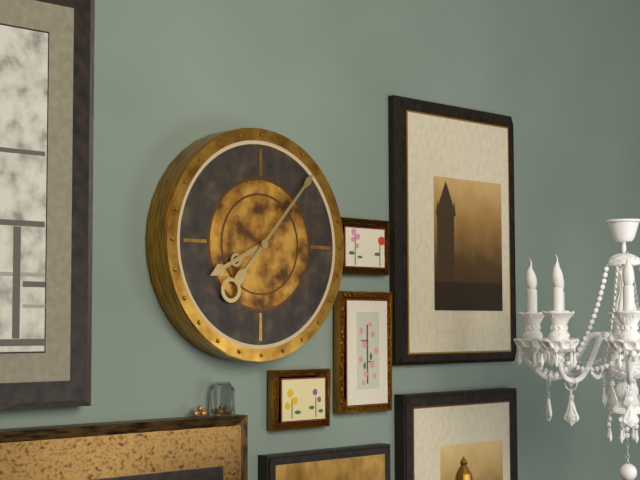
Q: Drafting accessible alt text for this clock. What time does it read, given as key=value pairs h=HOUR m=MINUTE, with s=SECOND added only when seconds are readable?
h=8 m=7
